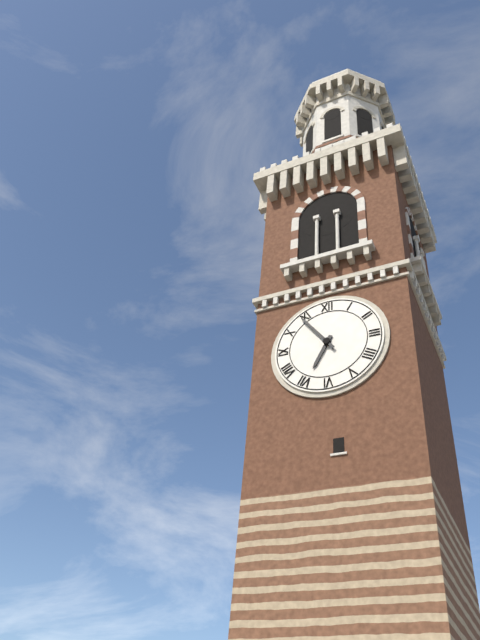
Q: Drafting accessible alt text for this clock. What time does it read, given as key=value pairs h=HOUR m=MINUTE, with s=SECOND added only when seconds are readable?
h=6 m=54
